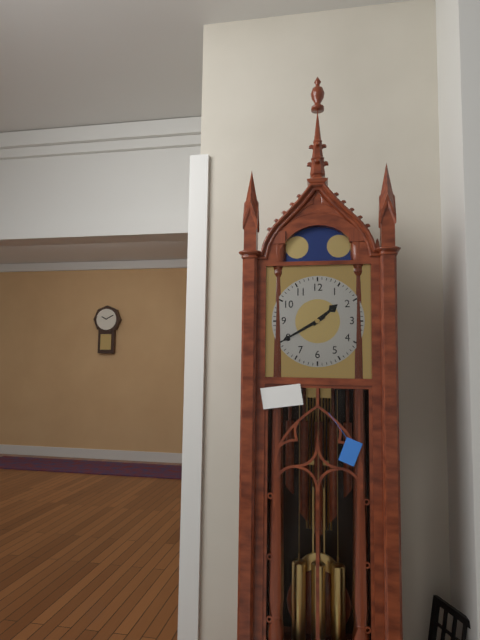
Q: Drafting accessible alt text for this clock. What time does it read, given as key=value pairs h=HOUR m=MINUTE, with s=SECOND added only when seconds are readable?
h=1 m=40
